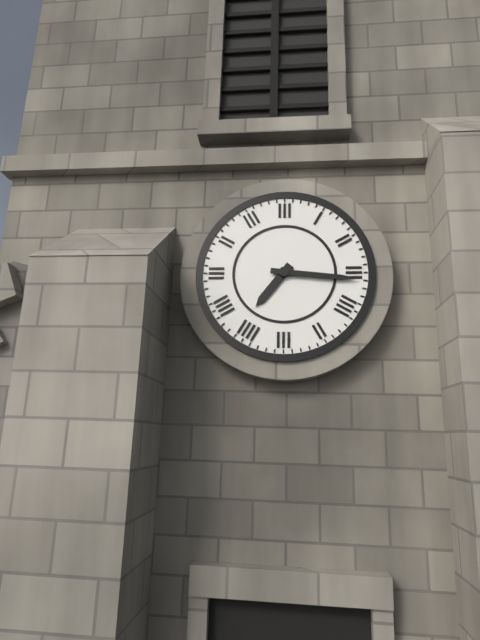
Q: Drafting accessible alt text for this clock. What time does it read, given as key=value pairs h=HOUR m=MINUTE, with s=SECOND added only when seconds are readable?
h=7 m=16
